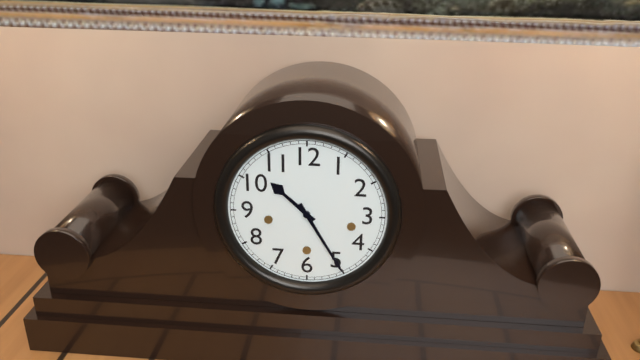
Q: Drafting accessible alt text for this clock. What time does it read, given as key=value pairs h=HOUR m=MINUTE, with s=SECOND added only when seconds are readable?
h=10 m=25
